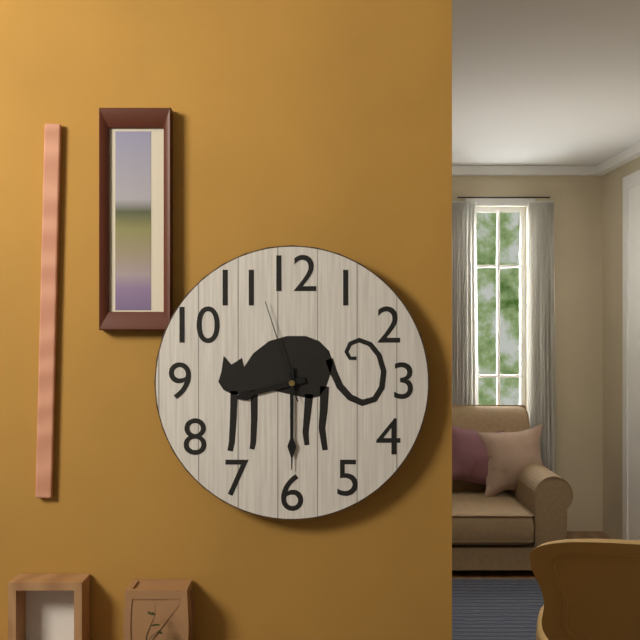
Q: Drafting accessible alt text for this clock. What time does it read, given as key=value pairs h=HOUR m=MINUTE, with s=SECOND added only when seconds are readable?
h=8 m=30 s=57
